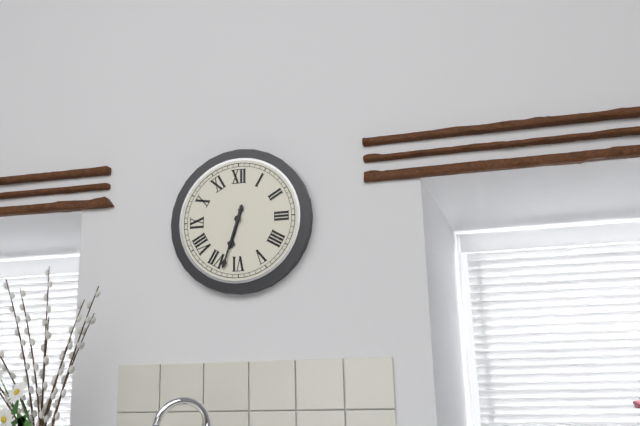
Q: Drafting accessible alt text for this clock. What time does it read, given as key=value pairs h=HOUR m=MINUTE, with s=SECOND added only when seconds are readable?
h=6 m=33
